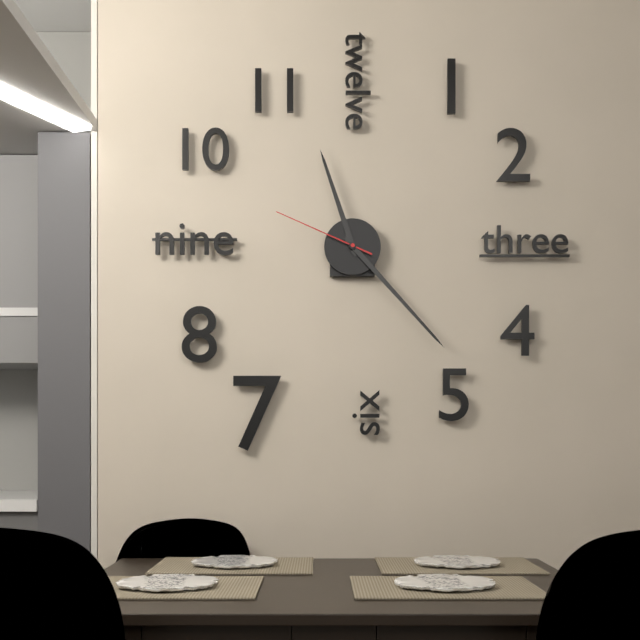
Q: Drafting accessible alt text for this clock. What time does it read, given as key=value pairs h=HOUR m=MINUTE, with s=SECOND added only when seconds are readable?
h=11 m=23 s=49
